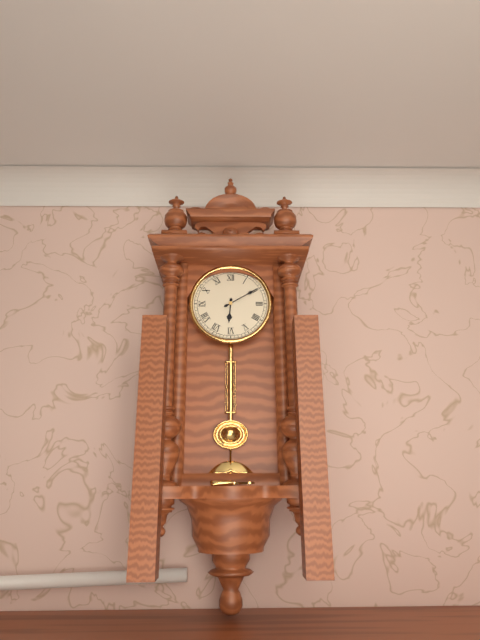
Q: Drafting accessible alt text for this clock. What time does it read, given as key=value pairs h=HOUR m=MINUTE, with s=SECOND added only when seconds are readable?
h=6 m=10
